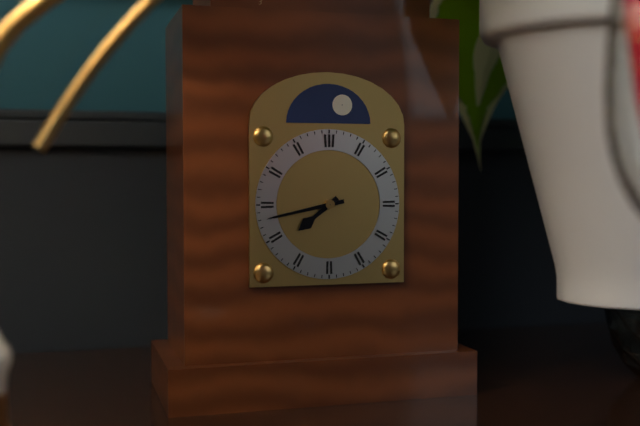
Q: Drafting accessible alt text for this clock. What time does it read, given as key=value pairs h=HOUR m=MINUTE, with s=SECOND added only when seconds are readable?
h=7 m=43
